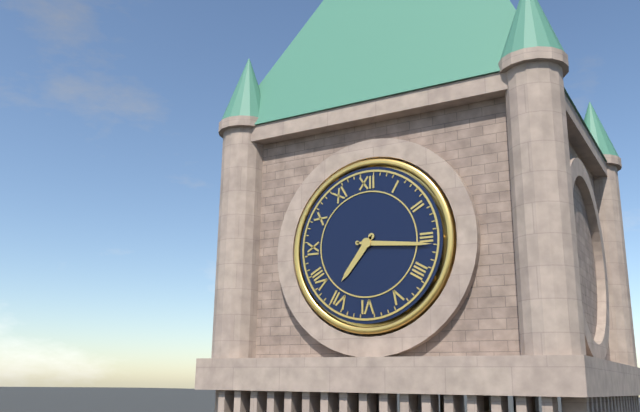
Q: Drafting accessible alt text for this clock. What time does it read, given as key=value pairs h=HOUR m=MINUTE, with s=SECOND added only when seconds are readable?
h=7 m=16
